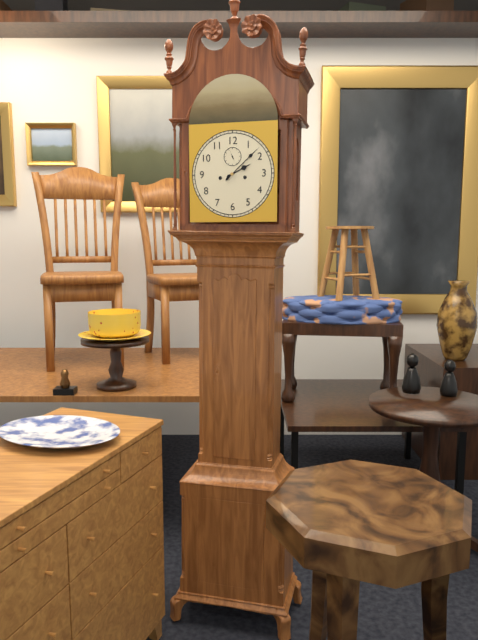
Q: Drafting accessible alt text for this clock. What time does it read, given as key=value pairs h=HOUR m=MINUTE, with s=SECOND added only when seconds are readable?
h=2 m=8
